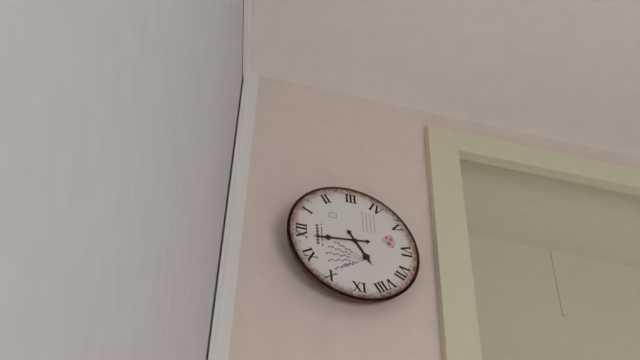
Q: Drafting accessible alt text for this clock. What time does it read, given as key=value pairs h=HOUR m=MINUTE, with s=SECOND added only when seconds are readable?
h=7 m=59
